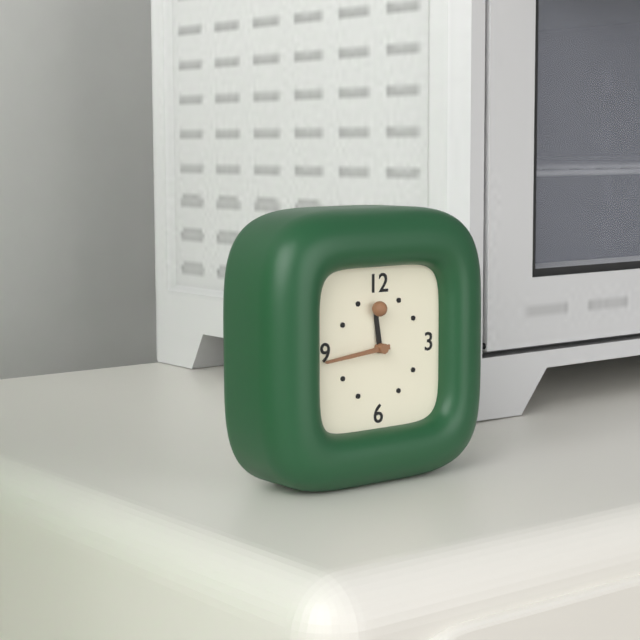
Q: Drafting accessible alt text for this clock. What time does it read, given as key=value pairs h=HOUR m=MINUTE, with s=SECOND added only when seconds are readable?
h=11 m=44
